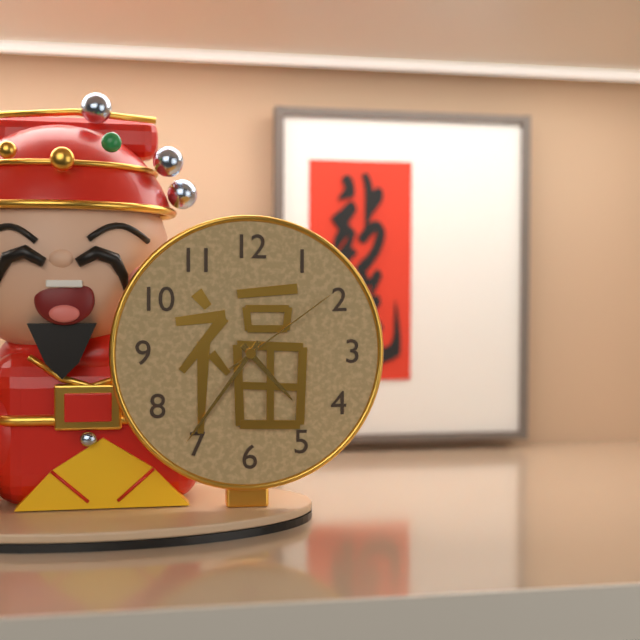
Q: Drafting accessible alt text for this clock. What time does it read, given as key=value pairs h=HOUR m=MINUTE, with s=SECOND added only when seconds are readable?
h=4 m=36 s=9
